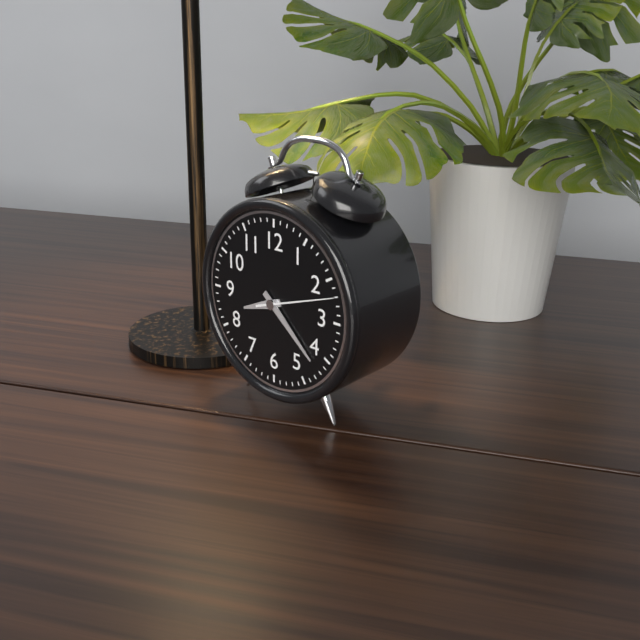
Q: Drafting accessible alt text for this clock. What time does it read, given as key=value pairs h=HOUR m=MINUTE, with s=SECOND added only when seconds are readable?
h=8 m=22 s=12
